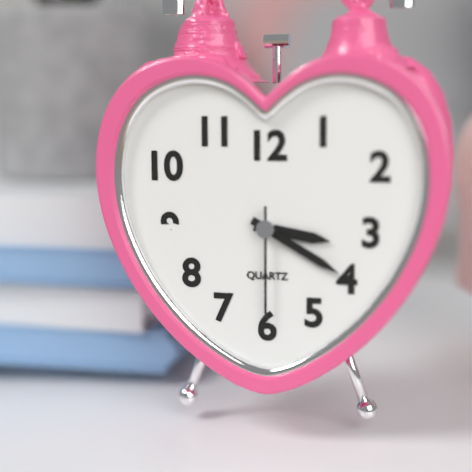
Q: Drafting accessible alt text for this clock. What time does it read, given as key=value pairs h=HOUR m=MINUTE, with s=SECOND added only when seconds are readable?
h=3 m=20 s=30
